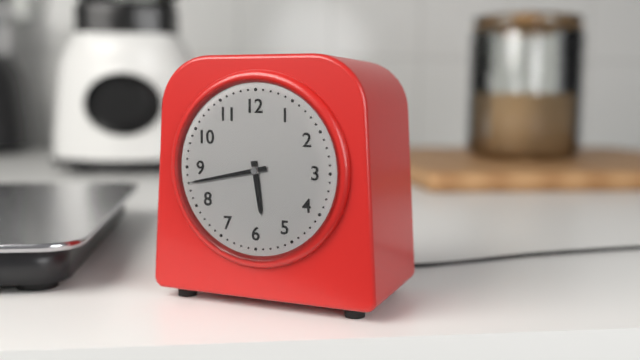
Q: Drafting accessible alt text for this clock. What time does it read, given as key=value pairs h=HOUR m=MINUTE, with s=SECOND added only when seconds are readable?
h=5 m=43
